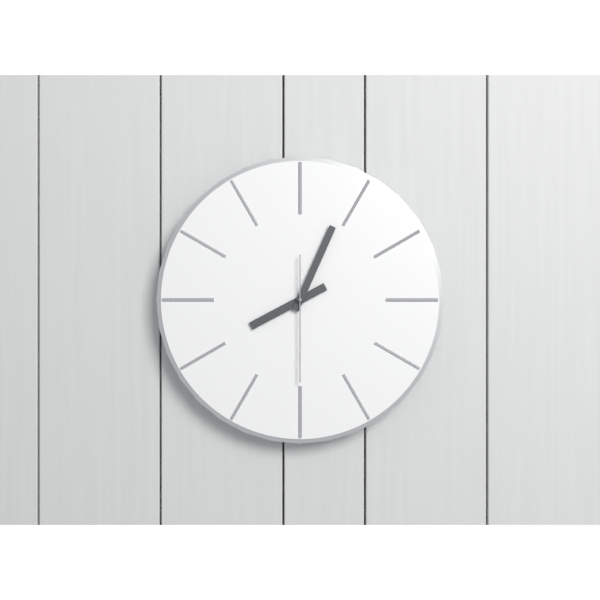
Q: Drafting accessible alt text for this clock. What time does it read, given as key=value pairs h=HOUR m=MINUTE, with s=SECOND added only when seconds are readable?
h=8 m=4 s=30
